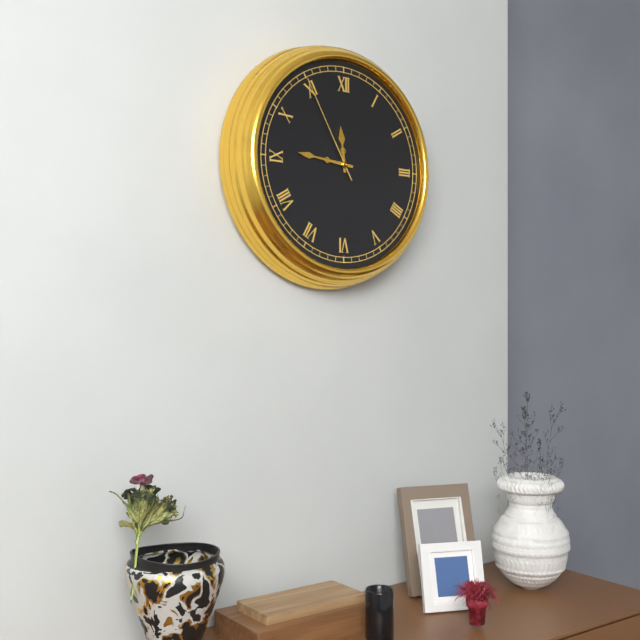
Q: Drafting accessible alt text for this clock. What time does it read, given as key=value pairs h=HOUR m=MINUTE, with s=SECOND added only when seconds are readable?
h=11 m=46 s=55
